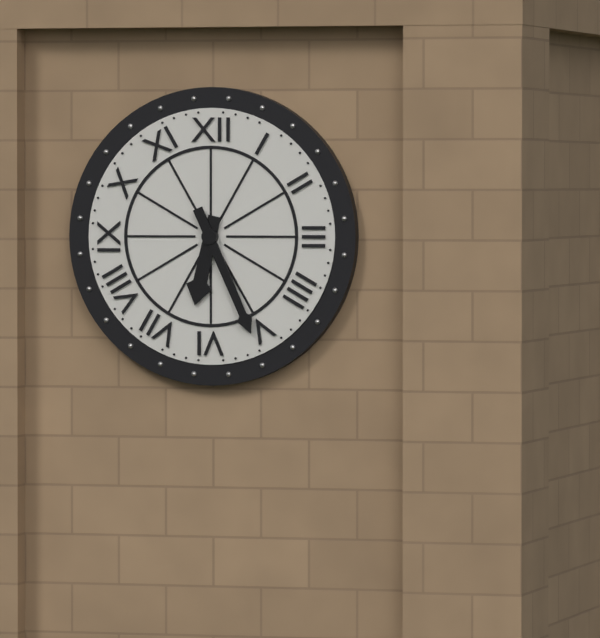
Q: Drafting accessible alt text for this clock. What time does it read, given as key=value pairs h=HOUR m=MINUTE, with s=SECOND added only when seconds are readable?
h=6 m=26
